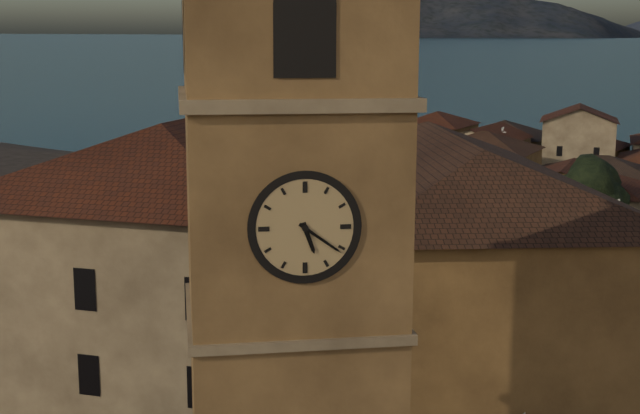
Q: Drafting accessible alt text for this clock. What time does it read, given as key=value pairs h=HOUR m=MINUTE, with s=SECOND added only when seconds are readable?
h=5 m=21
